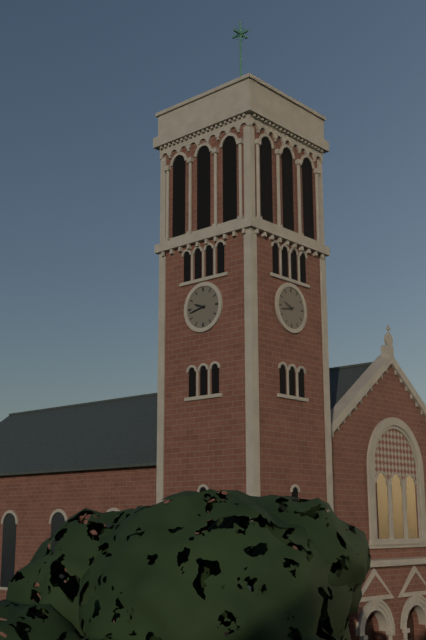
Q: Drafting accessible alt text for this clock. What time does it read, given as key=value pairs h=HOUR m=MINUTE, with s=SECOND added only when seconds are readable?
h=9 m=43
